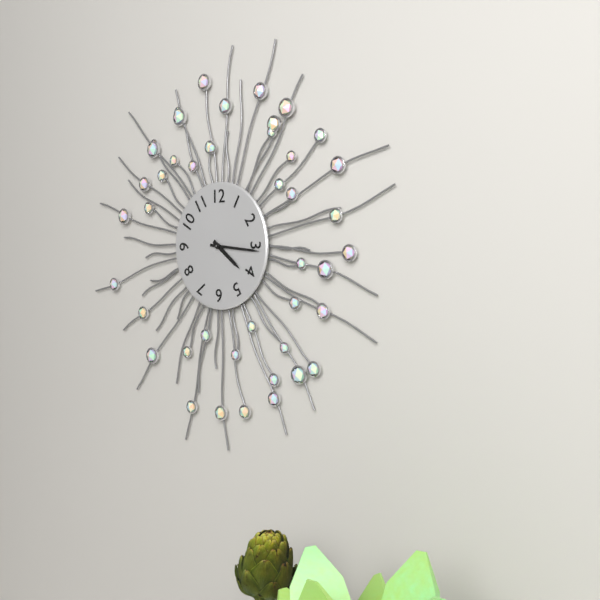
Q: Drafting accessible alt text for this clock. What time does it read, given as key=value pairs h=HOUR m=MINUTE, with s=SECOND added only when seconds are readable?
h=4 m=16
